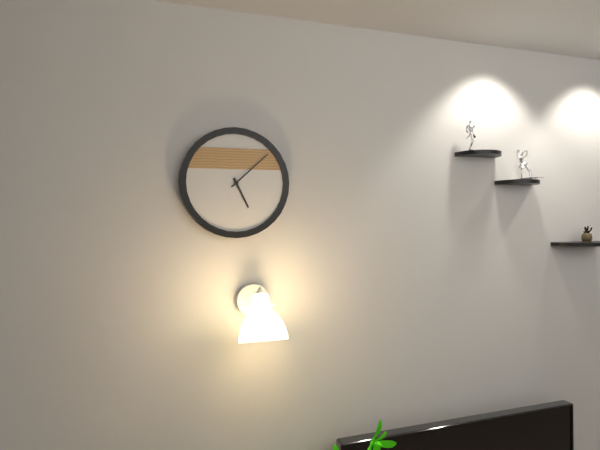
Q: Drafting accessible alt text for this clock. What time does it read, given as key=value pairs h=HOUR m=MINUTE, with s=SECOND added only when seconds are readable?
h=5 m=8
